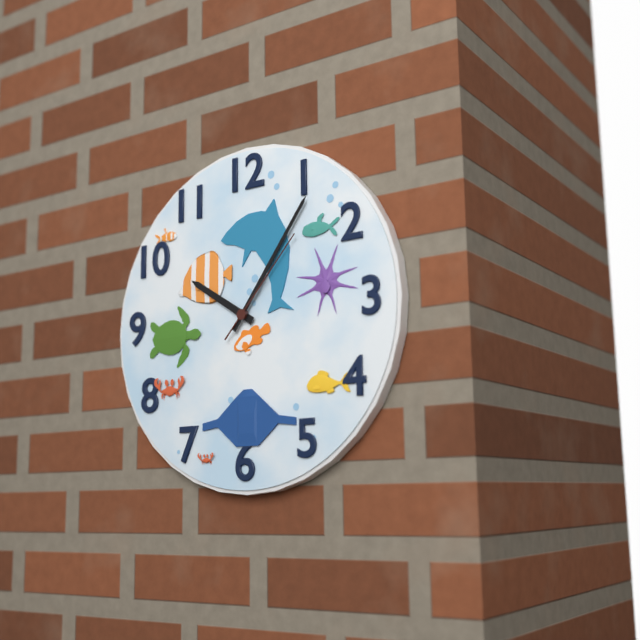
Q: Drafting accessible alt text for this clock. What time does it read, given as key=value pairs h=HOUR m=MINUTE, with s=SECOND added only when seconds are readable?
h=10 m=6 s=7
